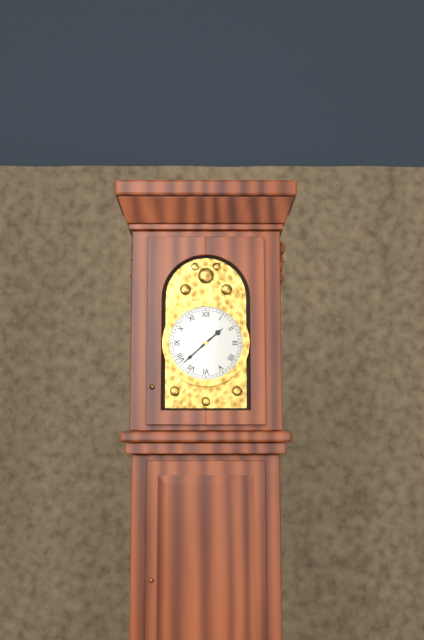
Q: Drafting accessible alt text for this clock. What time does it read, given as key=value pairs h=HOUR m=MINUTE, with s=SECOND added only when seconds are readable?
h=1 m=38
